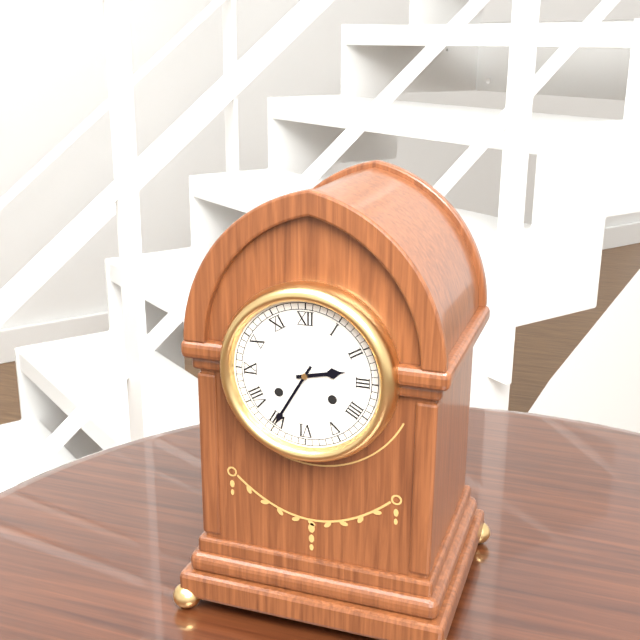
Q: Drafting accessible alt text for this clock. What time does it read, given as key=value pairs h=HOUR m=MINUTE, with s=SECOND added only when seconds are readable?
h=2 m=35
